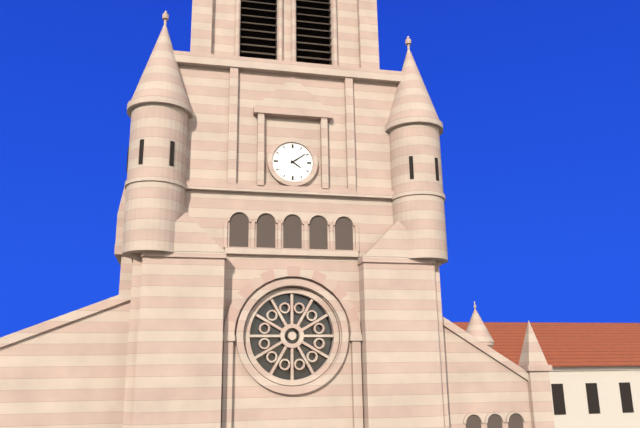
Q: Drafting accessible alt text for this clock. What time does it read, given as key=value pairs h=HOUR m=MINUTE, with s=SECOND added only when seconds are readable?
h=4 m=9
